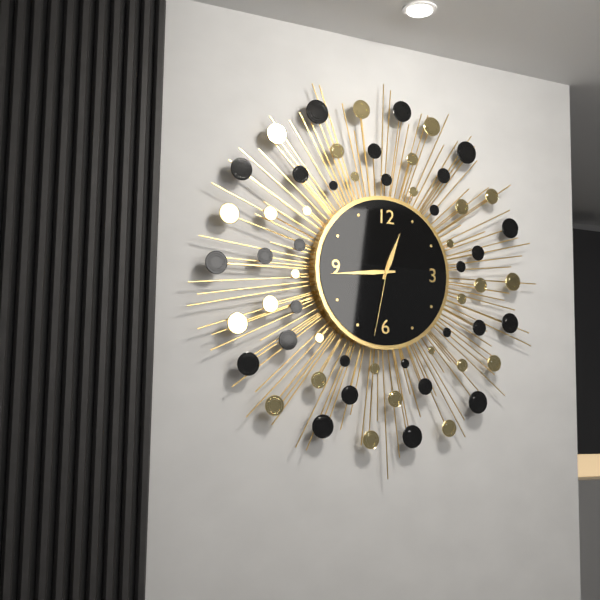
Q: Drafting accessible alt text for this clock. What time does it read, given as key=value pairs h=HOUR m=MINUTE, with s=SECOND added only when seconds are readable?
h=12 m=44 s=32
